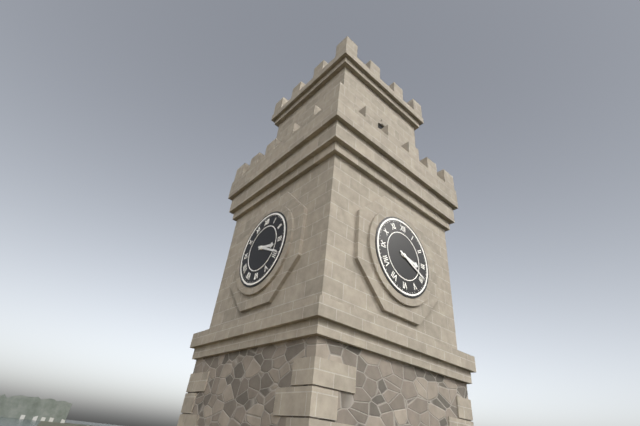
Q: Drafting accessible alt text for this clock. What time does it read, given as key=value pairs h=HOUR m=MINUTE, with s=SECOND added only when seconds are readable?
h=3 m=19
